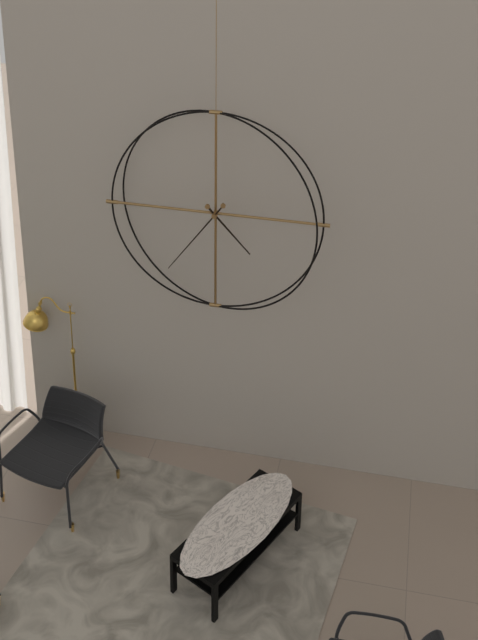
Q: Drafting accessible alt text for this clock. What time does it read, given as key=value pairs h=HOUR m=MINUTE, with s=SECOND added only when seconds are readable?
h=4 m=36
